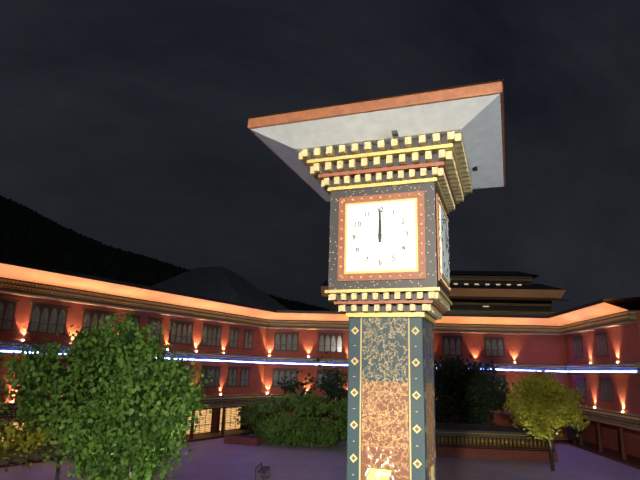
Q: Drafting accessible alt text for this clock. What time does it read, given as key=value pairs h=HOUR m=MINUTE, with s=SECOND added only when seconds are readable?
h=12 m=0
